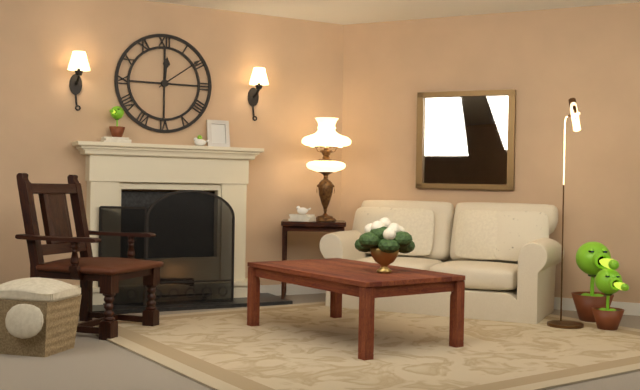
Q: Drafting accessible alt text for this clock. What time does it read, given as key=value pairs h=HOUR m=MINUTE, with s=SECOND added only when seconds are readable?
h=12 m=9
